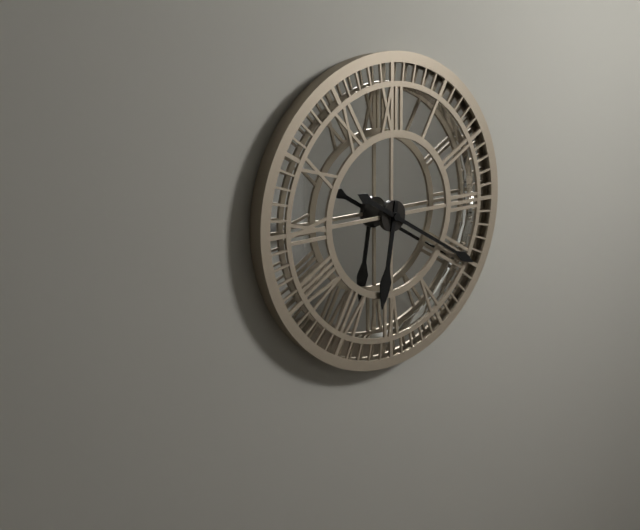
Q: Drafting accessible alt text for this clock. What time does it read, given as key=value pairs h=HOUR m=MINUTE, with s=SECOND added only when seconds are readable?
h=6 m=20
